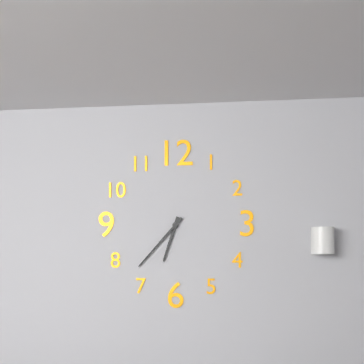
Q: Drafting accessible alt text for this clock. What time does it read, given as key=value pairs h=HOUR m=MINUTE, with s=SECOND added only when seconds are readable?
h=6 m=37
